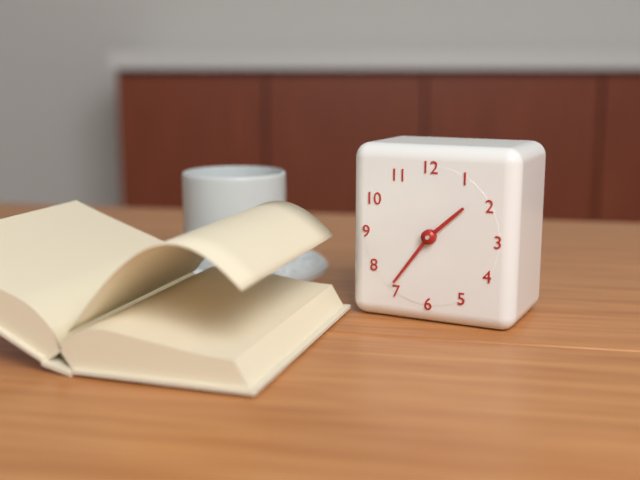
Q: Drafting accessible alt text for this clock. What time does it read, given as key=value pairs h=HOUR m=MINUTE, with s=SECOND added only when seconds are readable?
h=1 m=36
